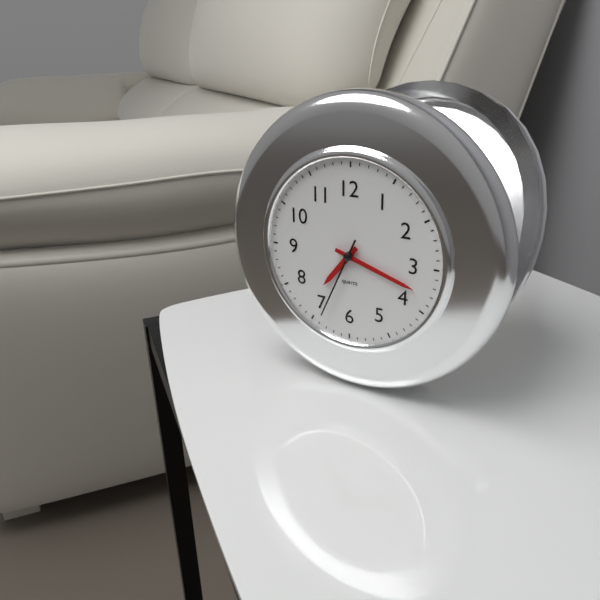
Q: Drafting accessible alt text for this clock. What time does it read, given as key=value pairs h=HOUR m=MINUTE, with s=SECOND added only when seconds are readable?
h=7 m=18 s=34
